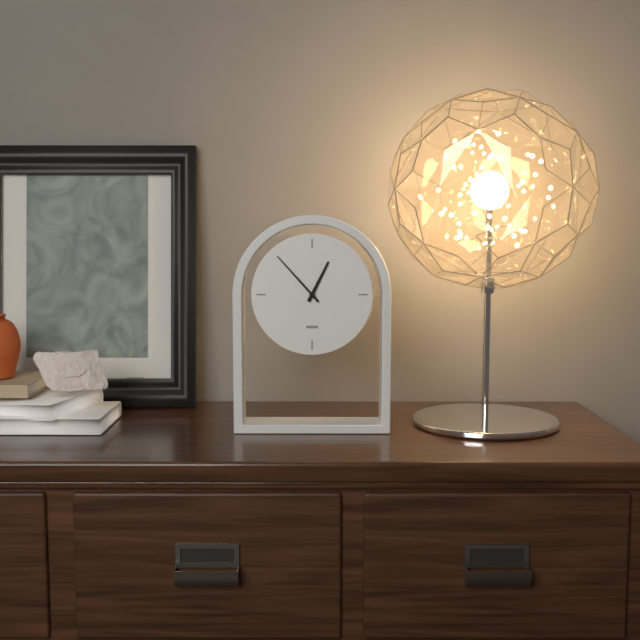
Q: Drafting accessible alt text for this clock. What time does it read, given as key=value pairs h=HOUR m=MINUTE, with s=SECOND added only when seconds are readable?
h=12 m=53
